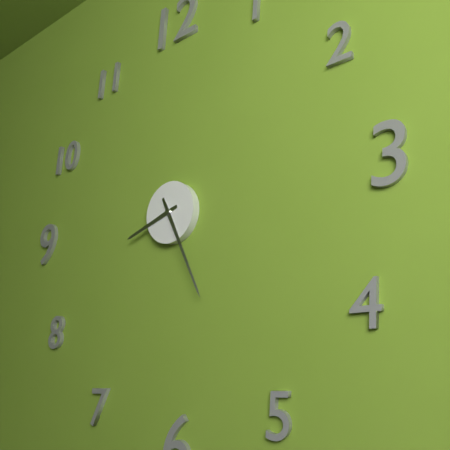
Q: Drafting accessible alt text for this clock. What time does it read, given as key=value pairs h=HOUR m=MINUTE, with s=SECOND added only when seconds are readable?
h=8 m=26
